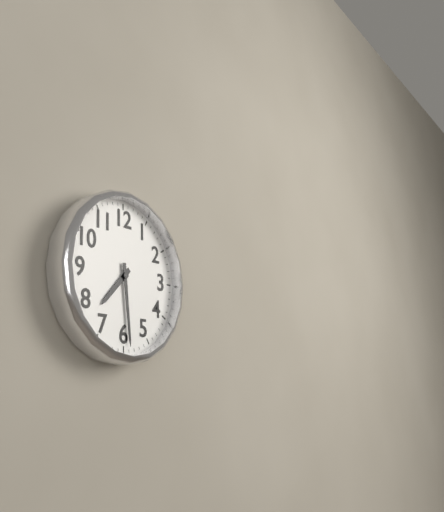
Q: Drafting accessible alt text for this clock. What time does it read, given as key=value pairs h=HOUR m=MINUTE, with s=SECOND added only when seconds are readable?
h=7 m=29
